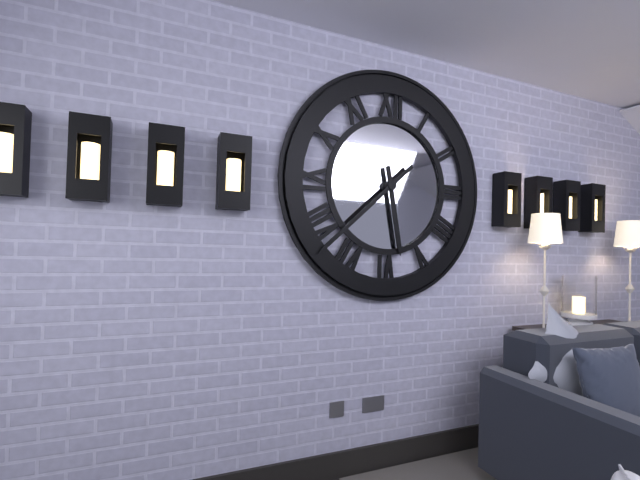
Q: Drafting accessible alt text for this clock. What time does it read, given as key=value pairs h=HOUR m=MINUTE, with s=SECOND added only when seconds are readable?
h=5 m=38
